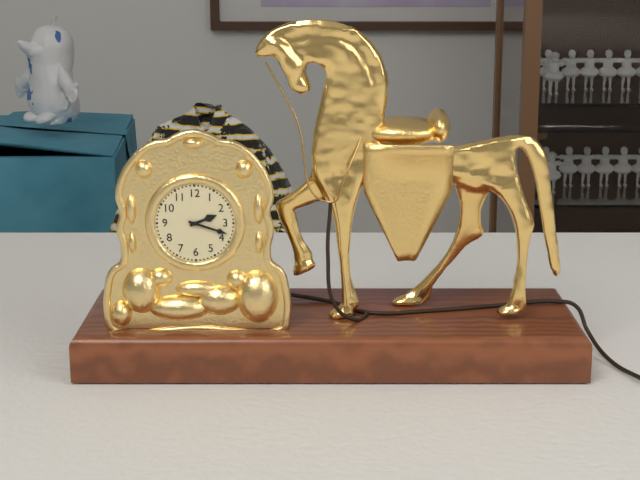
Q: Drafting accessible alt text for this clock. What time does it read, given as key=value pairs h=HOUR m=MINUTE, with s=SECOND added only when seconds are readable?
h=2 m=18
